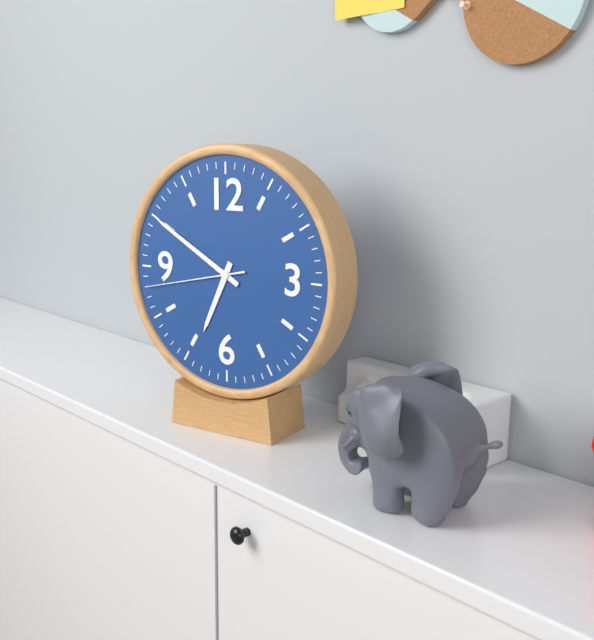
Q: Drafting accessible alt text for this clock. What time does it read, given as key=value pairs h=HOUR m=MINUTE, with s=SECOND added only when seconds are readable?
h=6 m=50 s=43
